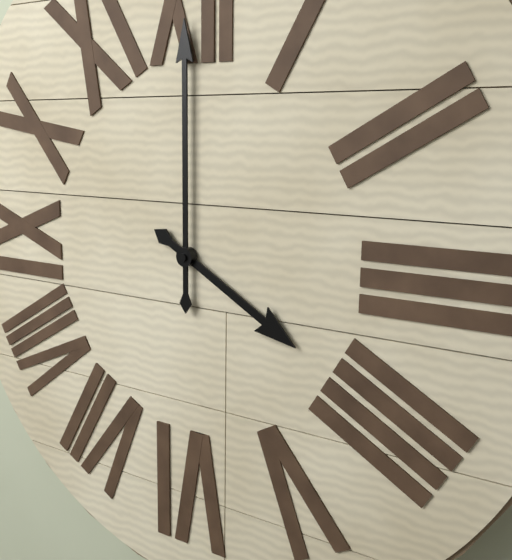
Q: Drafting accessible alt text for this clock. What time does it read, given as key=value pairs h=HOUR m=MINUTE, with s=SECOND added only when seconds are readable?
h=4 m=0
